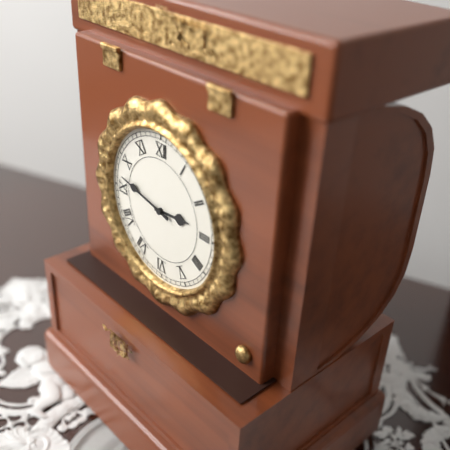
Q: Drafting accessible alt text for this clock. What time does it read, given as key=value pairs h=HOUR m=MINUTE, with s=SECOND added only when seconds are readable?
h=2 m=47
